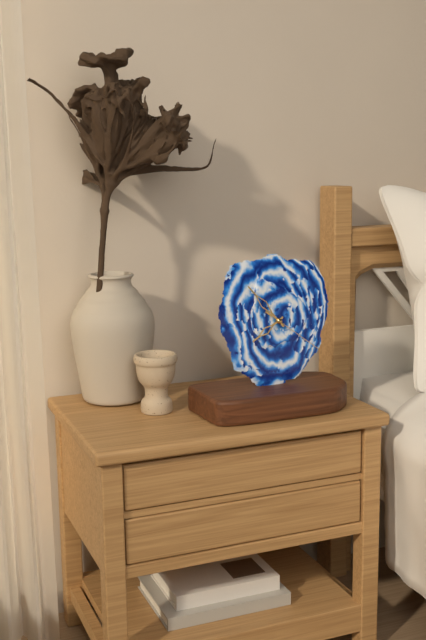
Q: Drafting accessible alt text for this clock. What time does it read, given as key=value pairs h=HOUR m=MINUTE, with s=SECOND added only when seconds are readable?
h=7 m=53 s=21
